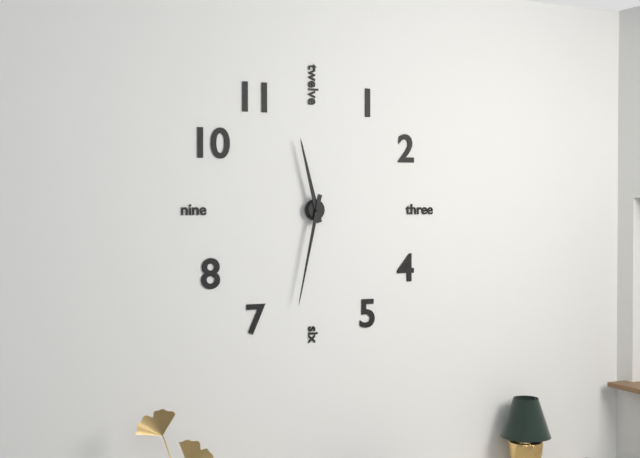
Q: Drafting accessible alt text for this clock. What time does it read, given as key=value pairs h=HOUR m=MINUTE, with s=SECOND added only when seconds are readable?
h=11 m=32
